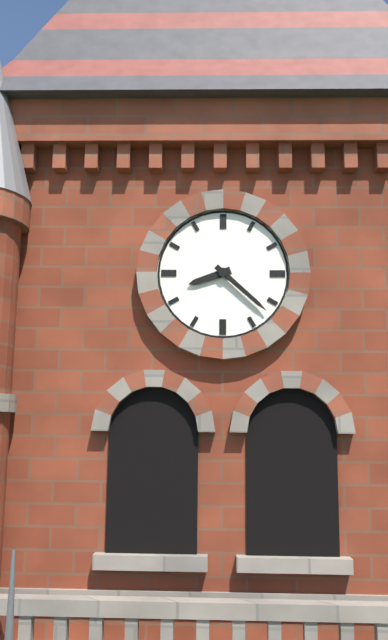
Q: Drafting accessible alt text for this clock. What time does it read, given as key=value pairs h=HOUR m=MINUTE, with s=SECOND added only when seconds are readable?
h=8 m=22
